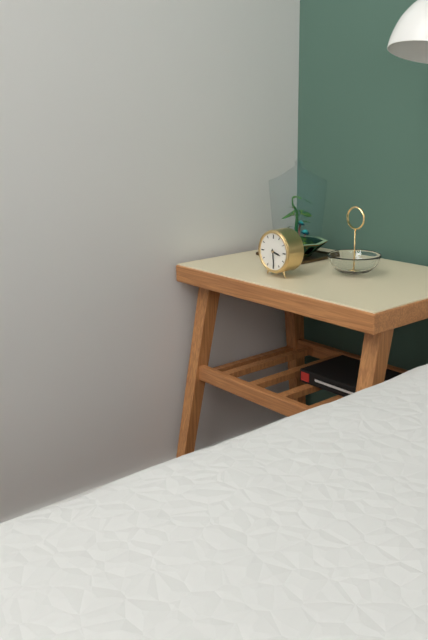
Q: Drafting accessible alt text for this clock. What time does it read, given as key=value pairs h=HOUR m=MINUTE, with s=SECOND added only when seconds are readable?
h=3 m=29
